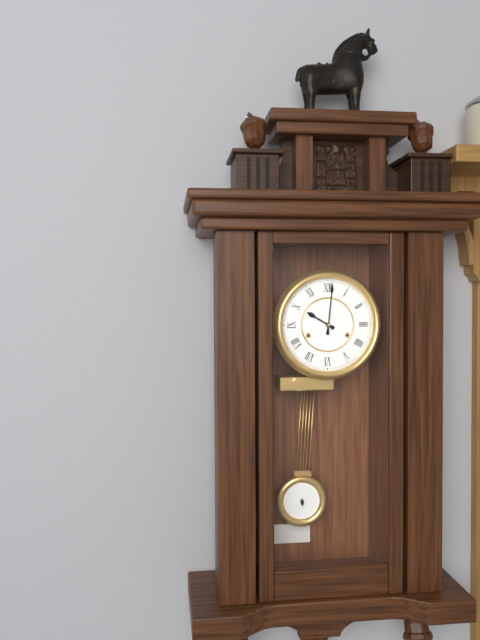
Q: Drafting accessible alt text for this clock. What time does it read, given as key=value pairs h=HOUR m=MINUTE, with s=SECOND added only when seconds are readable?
h=10 m=1
